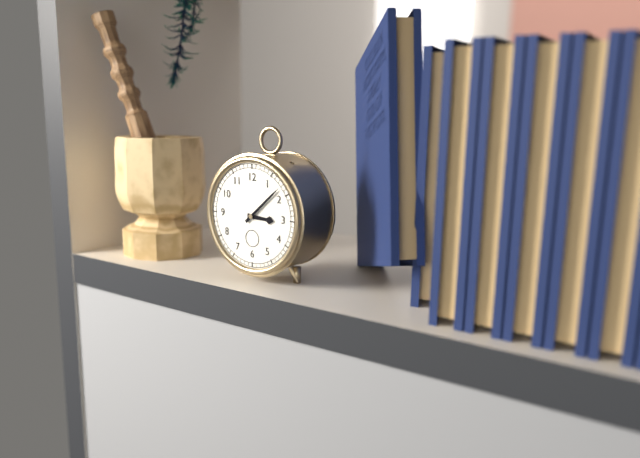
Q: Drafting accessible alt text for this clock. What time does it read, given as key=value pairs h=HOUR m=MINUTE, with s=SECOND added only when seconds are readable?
h=3 m=8
